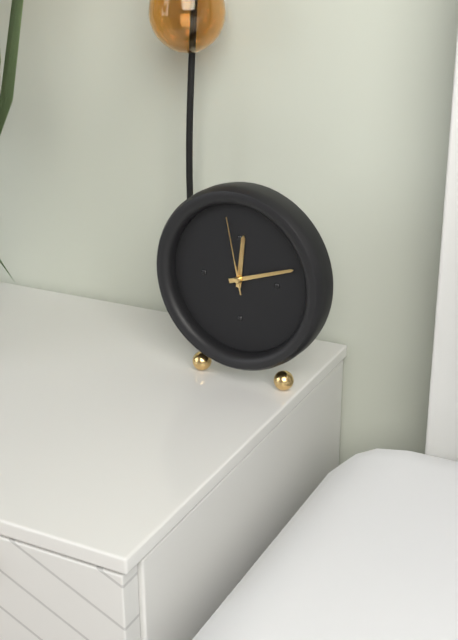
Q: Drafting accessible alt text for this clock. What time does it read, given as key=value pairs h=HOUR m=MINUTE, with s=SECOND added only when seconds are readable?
h=12 m=12 s=58
